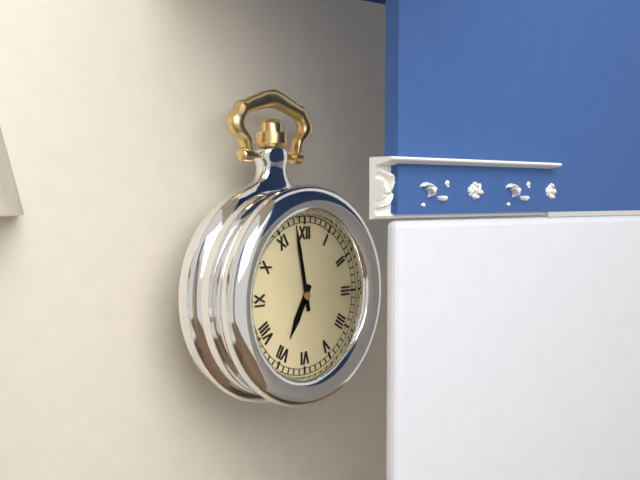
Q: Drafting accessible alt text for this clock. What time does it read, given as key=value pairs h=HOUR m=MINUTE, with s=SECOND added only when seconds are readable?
h=6 m=58
